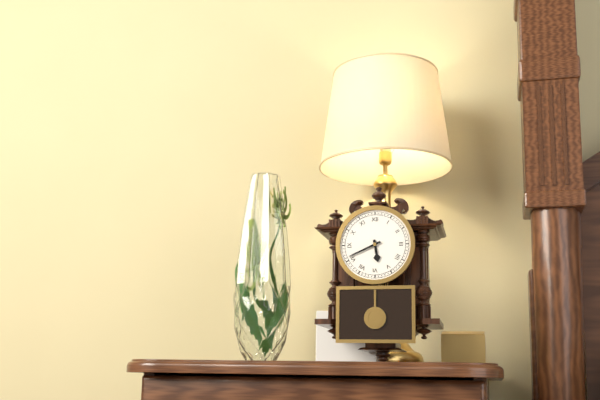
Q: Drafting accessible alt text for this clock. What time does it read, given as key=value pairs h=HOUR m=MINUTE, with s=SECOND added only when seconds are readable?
h=5 m=41
